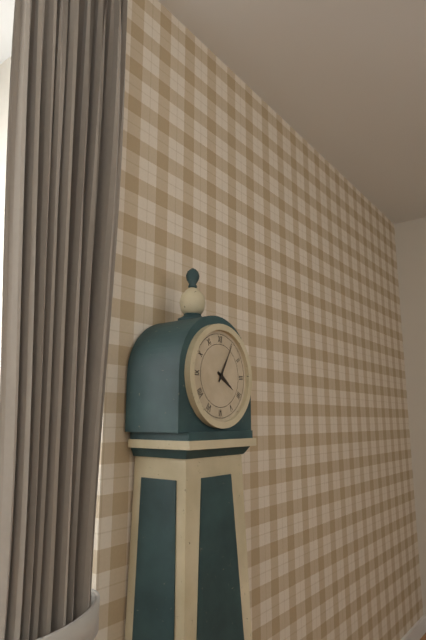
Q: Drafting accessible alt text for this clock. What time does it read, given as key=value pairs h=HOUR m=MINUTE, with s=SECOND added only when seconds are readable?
h=4 m=5
